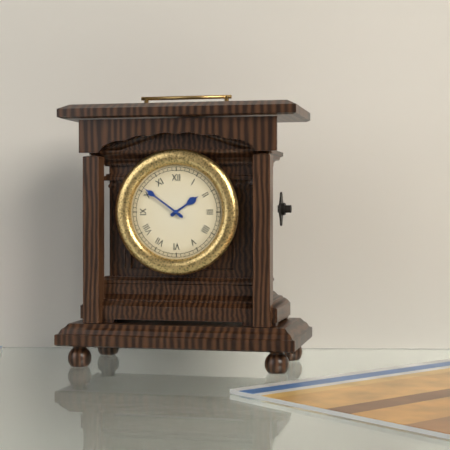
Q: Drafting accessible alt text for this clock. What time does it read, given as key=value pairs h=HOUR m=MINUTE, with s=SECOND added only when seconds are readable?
h=1 m=51
